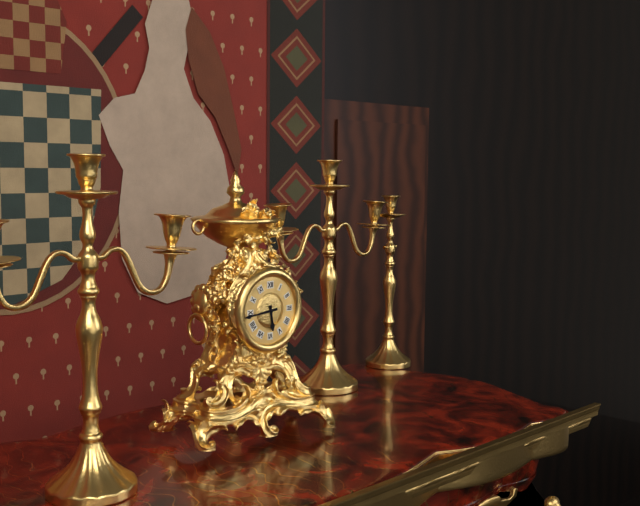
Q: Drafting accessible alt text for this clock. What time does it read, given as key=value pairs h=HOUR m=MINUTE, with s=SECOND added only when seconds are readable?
h=5 m=44
